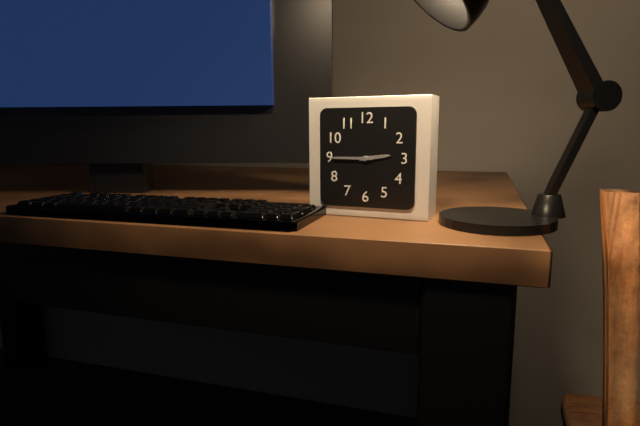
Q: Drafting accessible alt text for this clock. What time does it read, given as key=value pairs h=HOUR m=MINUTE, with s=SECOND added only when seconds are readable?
h=2 m=45
